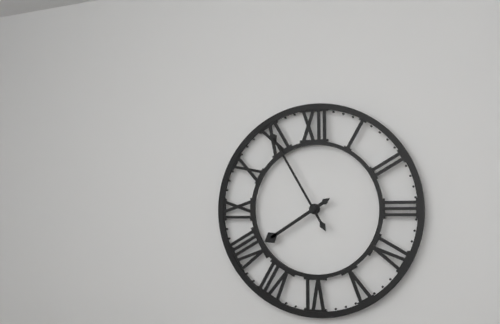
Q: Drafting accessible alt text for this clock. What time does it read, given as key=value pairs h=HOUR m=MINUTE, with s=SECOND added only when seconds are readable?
h=7 m=55
